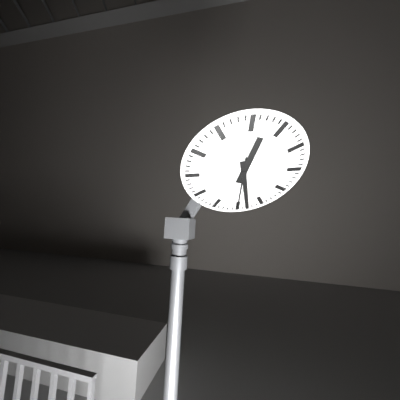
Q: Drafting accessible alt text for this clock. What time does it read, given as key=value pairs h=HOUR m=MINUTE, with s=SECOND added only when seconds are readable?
h=12 m=28
